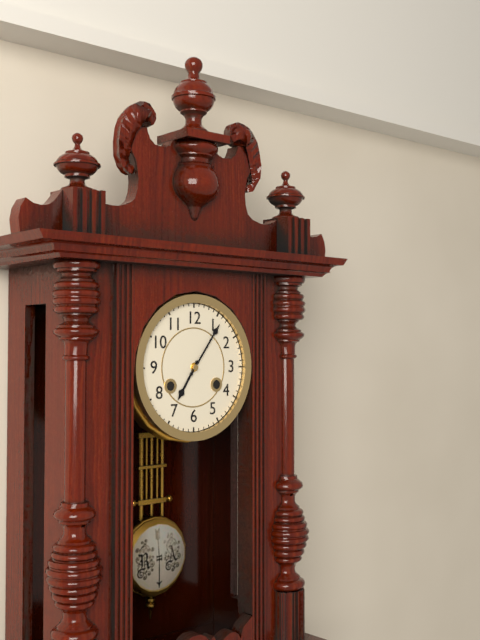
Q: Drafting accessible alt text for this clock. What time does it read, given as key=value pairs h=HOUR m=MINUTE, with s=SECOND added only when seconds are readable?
h=7 m=6
